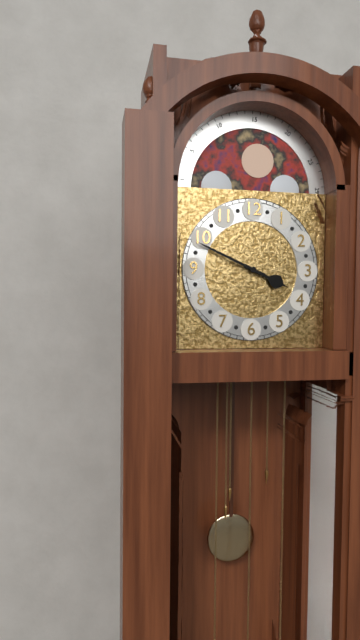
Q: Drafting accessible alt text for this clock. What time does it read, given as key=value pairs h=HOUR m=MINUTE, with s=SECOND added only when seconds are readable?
h=3 m=49
